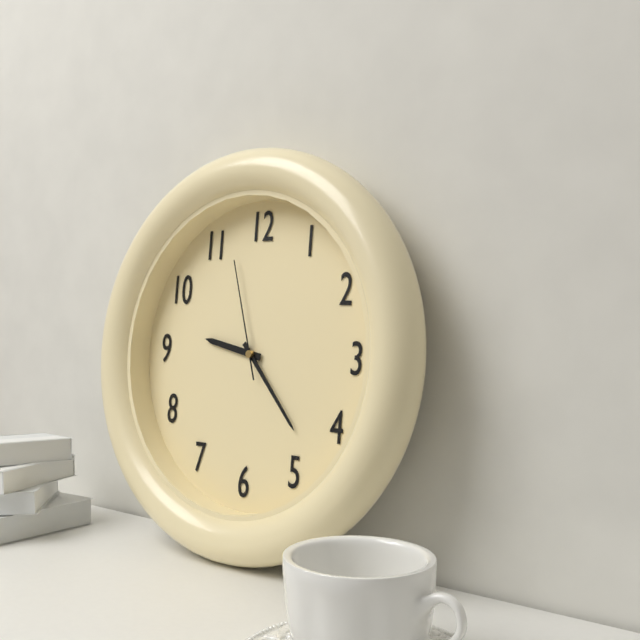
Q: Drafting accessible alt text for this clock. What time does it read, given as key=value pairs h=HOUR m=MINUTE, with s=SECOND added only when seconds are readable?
h=9 m=23 s=57
